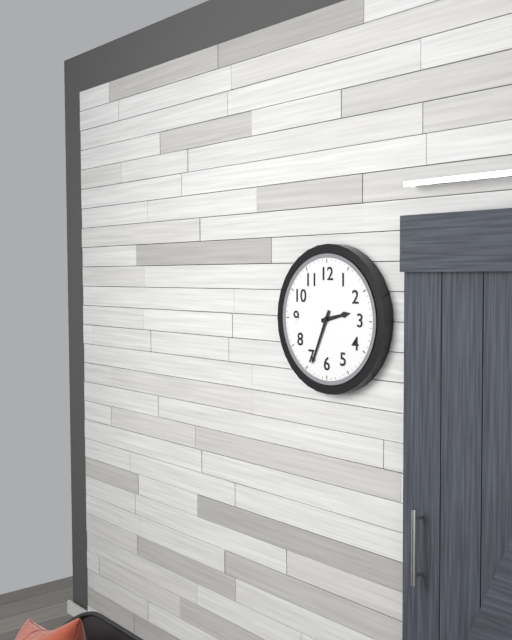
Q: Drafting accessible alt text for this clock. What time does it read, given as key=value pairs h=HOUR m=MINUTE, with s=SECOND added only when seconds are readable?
h=2 m=34
